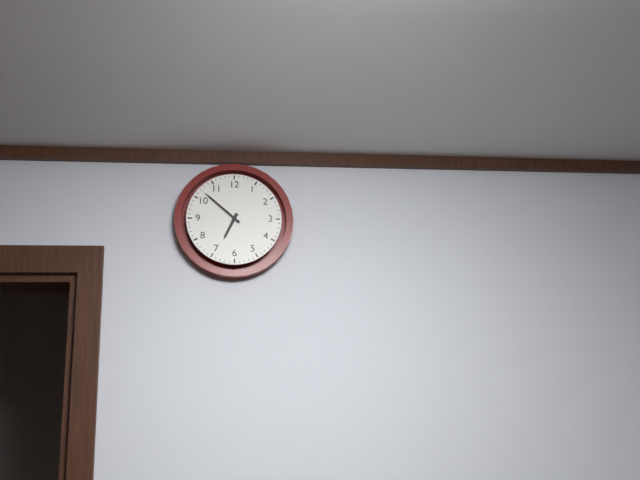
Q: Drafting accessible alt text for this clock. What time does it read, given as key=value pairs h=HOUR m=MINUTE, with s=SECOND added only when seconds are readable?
h=6 m=52
